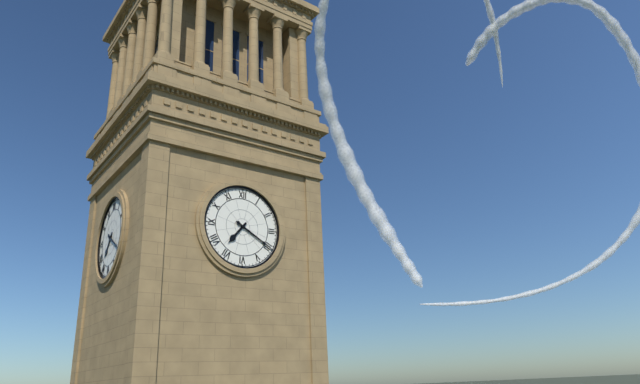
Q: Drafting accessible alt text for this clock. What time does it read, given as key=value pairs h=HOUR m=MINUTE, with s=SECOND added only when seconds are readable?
h=7 m=20
